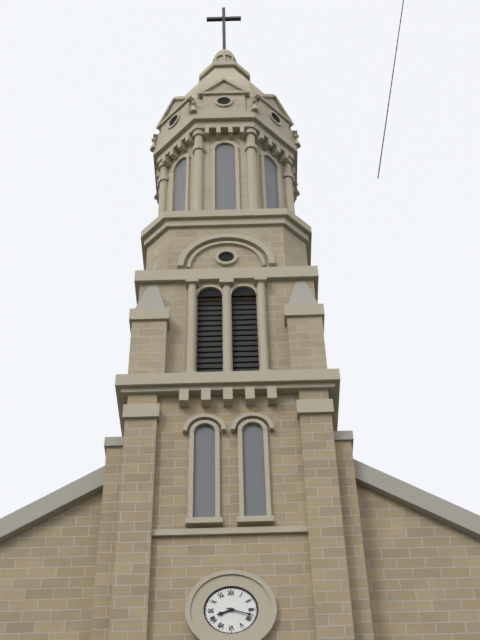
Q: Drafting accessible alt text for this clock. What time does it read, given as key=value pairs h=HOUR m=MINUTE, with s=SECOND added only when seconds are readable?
h=8 m=18
